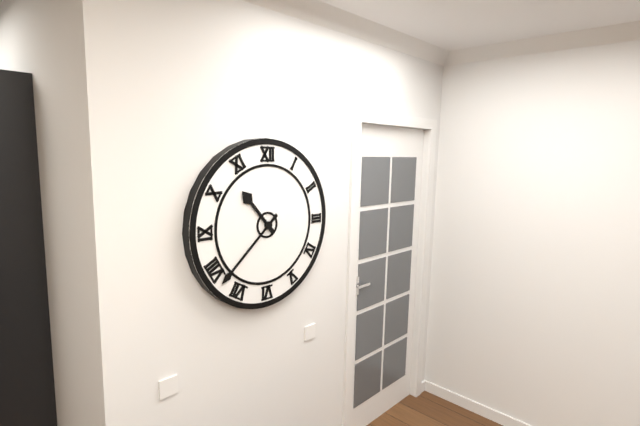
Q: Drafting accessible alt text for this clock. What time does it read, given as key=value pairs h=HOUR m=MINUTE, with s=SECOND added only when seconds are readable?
h=10 m=38
